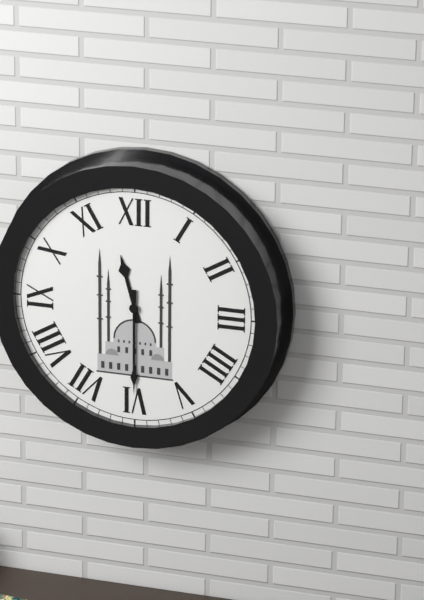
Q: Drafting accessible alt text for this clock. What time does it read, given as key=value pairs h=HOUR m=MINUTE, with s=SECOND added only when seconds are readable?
h=11 m=30
